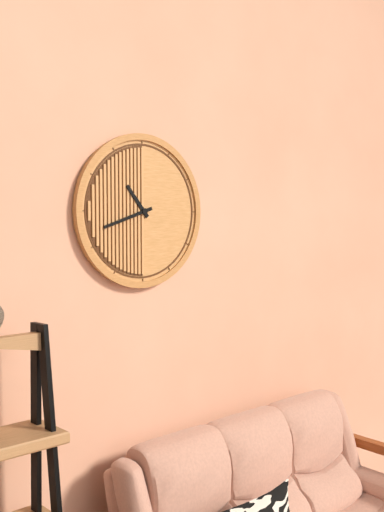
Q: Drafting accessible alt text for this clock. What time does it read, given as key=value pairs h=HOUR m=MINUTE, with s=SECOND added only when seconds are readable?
h=10 m=42
